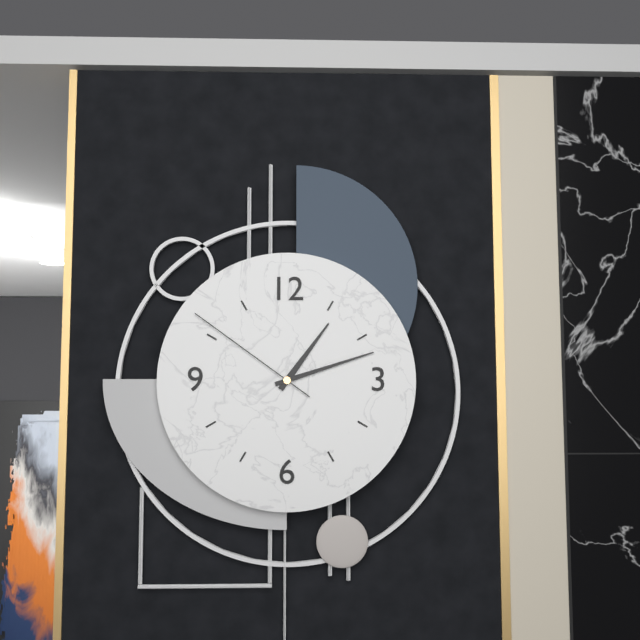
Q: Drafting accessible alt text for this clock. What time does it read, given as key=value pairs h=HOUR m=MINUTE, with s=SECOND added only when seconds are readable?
h=1 m=12 s=51
